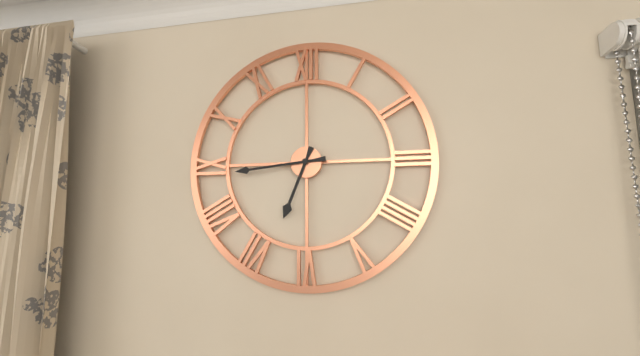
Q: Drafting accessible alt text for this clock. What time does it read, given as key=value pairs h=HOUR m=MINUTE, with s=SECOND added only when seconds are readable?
h=6 m=44
